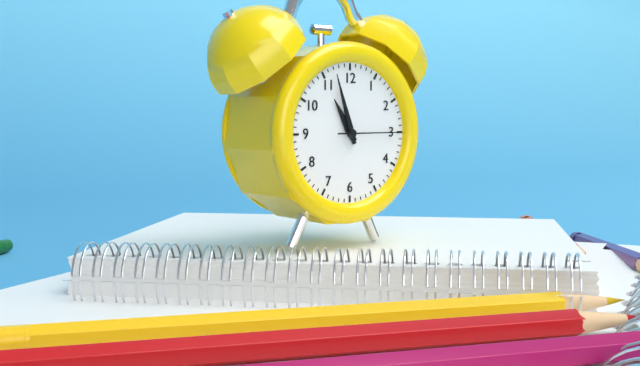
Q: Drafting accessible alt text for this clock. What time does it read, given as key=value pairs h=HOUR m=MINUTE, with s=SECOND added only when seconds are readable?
h=10 m=57 s=15
